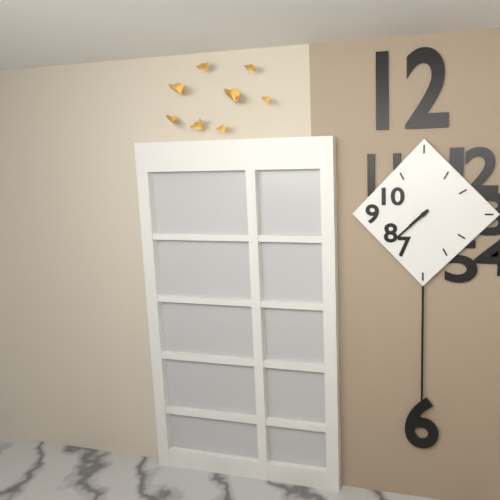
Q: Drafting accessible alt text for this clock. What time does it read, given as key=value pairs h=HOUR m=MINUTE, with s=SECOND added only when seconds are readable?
h=7 m=38
